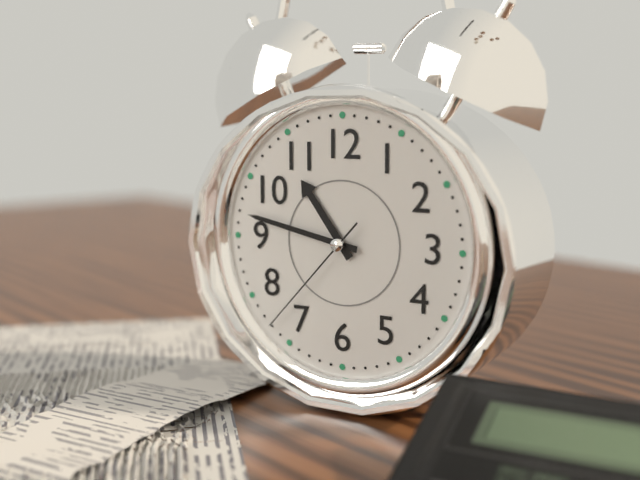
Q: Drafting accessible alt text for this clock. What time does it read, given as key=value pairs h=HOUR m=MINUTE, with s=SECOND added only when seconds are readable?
h=10 m=47 s=37
